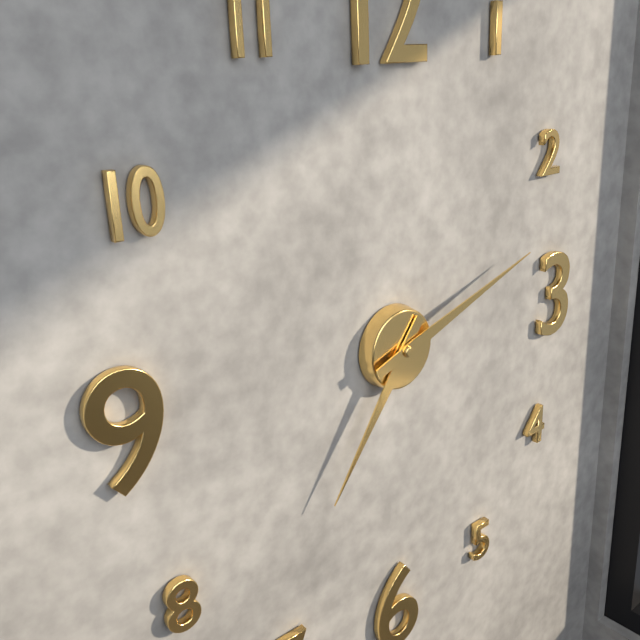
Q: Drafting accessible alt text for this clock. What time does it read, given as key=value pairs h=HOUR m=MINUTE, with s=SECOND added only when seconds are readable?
h=7 m=12
